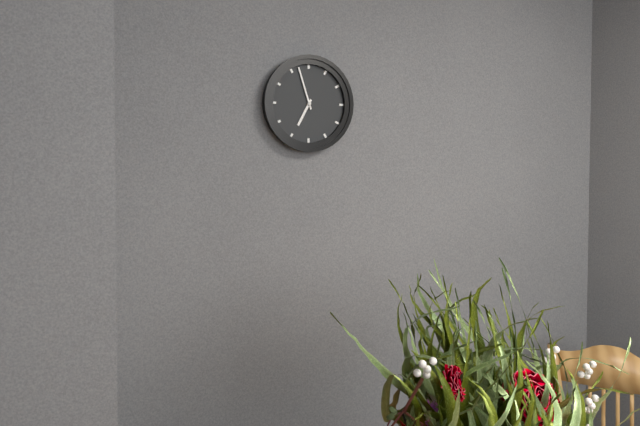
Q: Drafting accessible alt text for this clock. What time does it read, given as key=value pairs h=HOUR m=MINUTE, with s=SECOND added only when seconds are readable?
h=6 m=57
